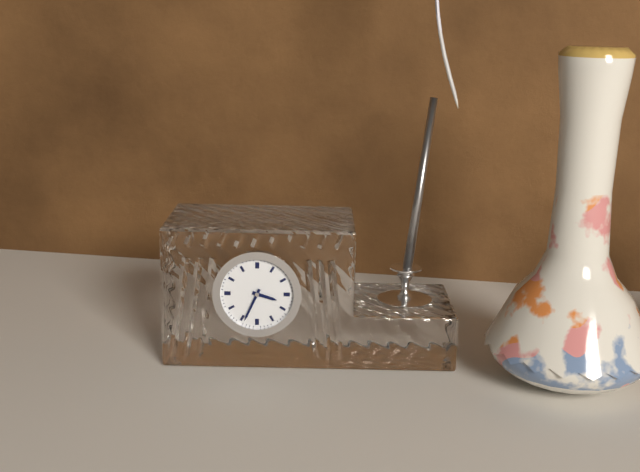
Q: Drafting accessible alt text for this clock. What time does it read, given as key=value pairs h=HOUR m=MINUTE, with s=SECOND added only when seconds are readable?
h=3 m=34
